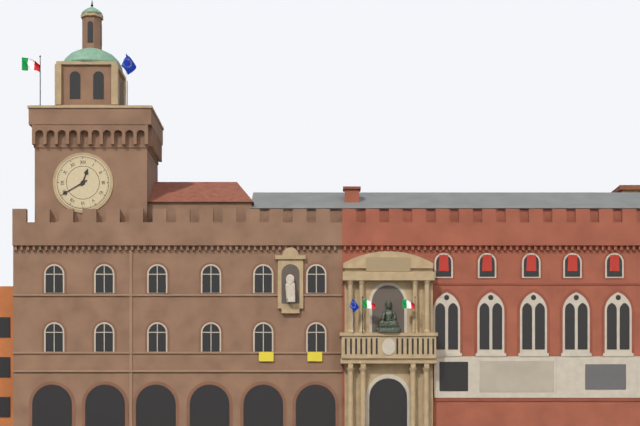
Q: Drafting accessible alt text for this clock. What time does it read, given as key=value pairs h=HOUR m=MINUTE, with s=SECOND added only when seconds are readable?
h=12 m=40
